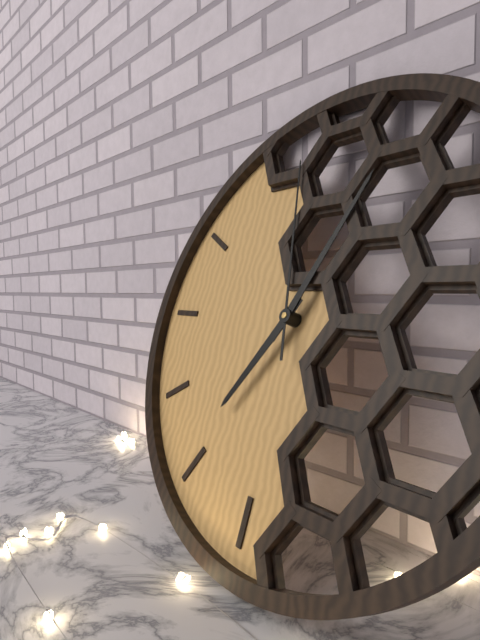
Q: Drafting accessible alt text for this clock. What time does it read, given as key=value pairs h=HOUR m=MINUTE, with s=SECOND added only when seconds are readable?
h=7 m=4 s=58
